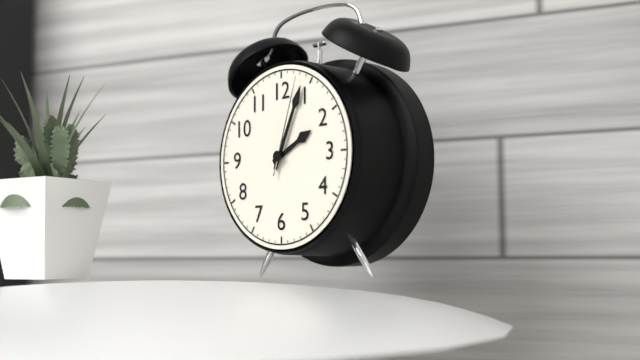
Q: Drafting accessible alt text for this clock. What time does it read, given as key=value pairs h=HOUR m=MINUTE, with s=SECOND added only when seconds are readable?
h=2 m=4 s=3
